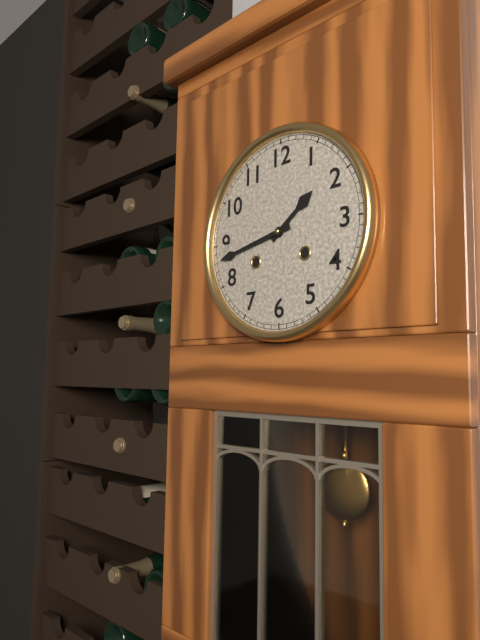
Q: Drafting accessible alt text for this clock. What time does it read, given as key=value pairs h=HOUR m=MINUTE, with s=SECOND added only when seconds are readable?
h=1 m=43
